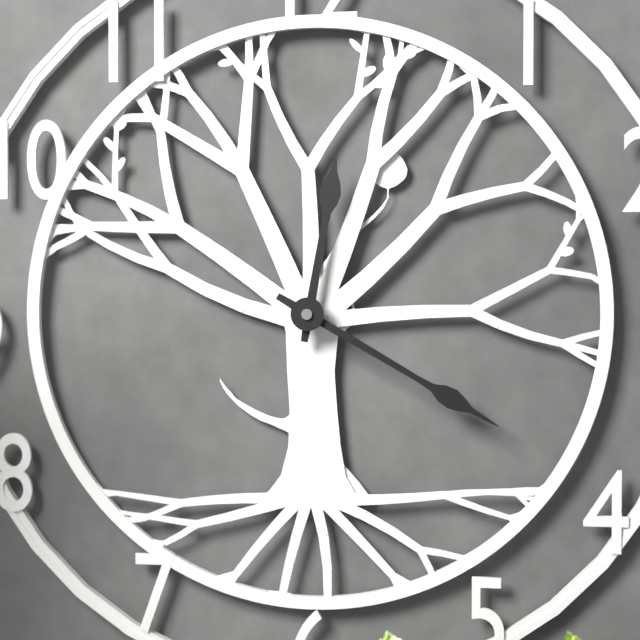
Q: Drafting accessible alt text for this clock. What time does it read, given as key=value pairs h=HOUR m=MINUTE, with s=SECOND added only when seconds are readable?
h=12 m=20
